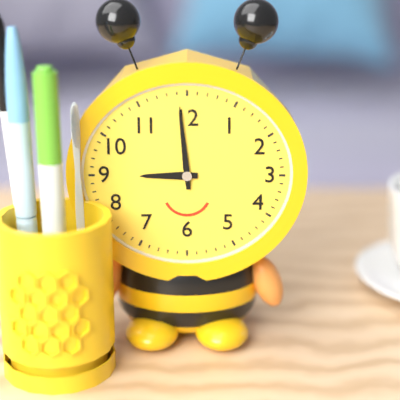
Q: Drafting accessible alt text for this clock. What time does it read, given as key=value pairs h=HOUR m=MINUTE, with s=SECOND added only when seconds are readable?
h=8 m=59
